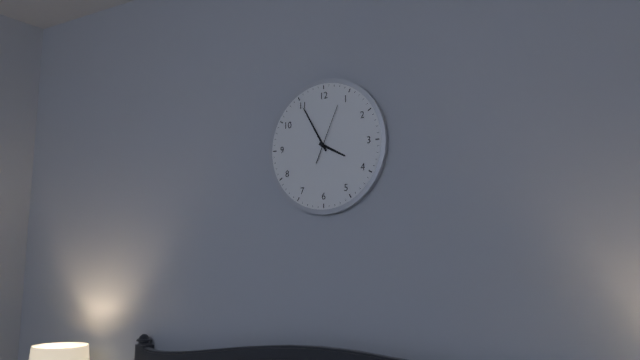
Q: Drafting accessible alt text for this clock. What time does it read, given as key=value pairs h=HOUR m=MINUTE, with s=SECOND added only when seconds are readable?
h=3 m=55 s=4
